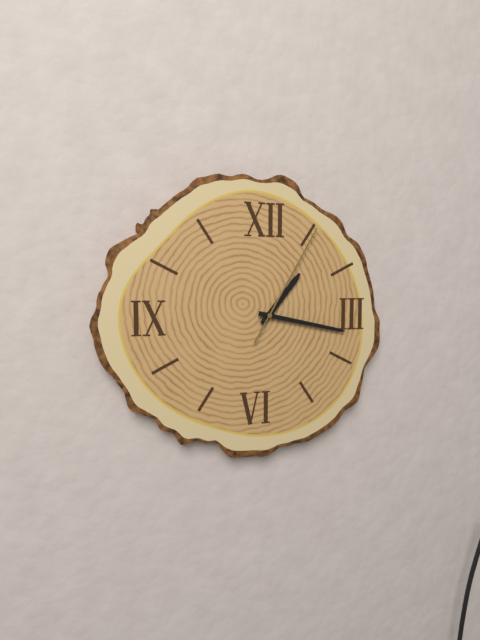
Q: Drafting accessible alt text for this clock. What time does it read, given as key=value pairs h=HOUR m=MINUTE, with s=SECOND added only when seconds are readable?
h=1 m=17 s=5
